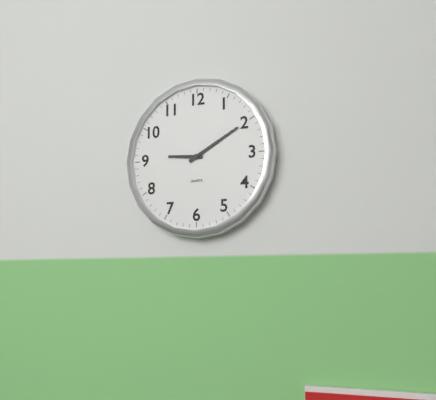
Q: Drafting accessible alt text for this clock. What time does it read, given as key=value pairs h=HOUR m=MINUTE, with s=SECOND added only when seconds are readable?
h=9 m=10
